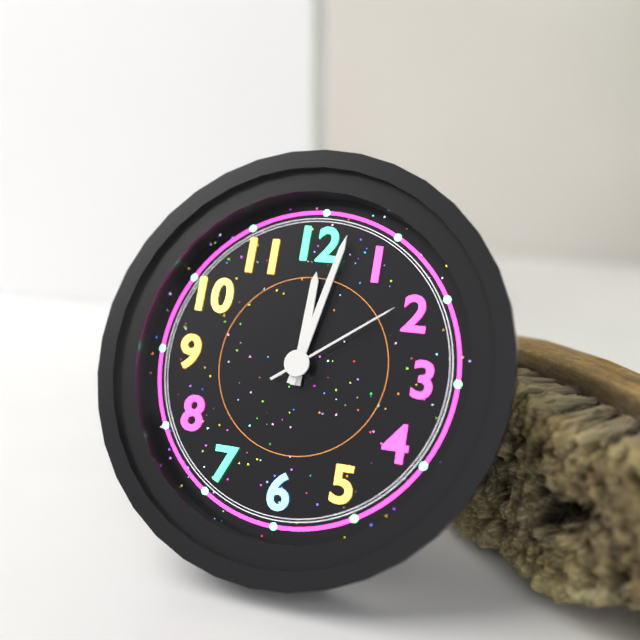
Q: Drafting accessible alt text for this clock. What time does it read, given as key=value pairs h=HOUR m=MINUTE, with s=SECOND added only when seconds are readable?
h=12 m=2 s=9
